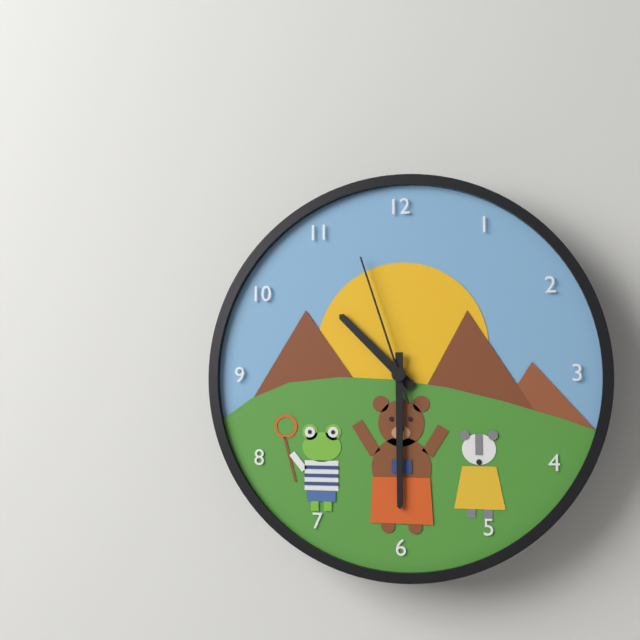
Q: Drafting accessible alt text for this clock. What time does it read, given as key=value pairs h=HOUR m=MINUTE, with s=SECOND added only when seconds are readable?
h=10 m=30 s=57
